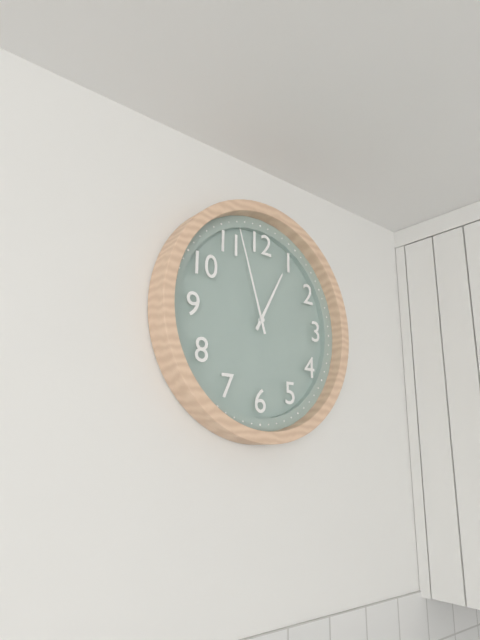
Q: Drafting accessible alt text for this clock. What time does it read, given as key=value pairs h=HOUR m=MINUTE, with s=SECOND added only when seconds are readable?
h=12 m=57
